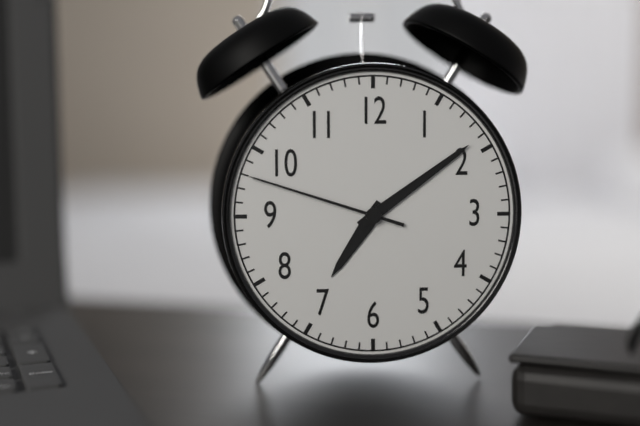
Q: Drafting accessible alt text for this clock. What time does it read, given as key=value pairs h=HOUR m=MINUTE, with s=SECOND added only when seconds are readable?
h=7 m=9 s=48
